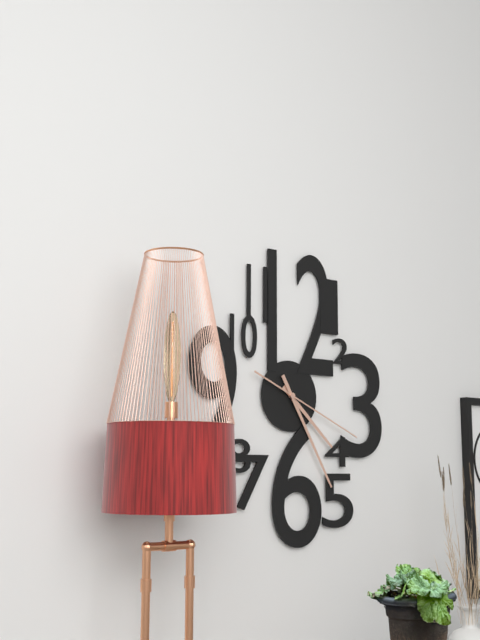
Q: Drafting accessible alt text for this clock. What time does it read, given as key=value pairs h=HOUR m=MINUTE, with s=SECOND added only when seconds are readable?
h=4 m=25 s=19
